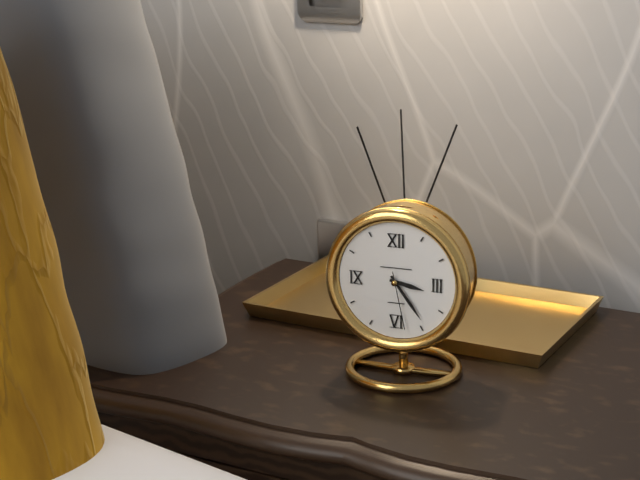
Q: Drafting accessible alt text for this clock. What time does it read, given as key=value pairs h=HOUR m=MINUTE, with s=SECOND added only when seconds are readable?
h=3 m=24 s=28
